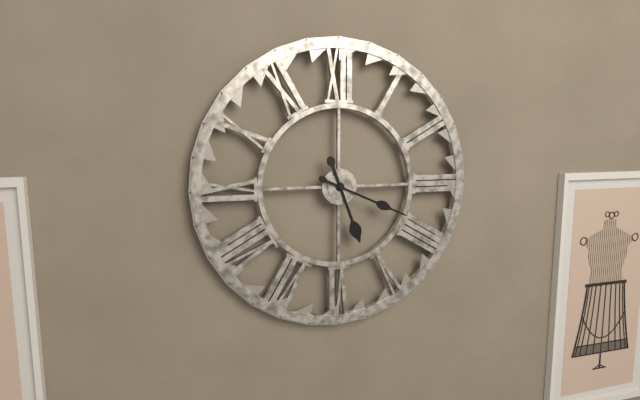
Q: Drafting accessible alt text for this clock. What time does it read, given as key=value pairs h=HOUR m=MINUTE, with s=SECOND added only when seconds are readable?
h=5 m=19
